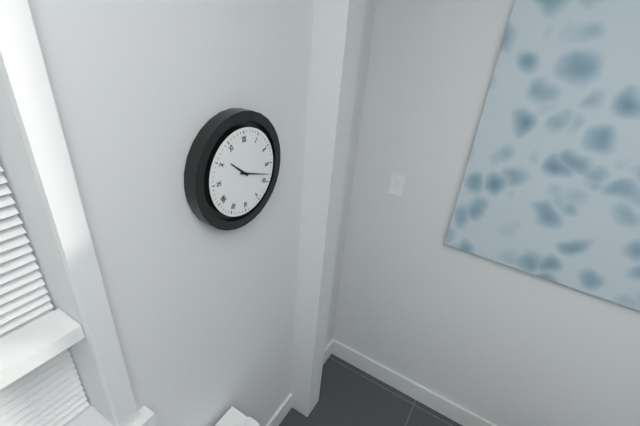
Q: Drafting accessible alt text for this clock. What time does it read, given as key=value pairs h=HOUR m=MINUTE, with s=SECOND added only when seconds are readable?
h=10 m=18
